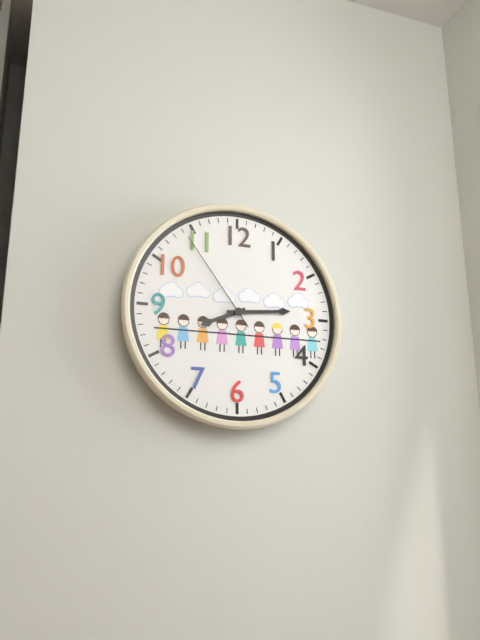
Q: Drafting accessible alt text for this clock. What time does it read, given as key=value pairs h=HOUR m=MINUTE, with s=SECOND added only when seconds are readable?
h=8 m=14 s=54
